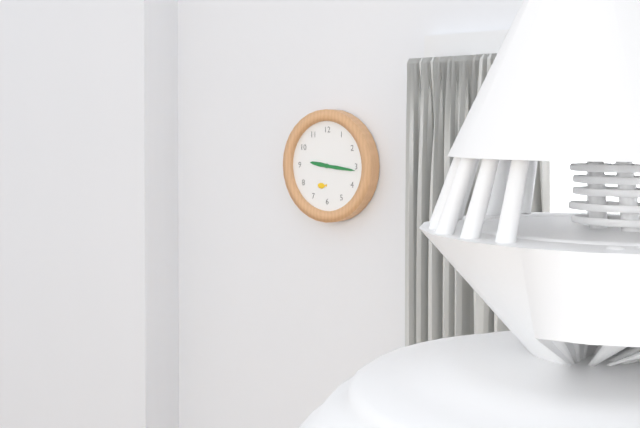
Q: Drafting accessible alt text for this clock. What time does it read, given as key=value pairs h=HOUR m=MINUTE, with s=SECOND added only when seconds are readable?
h=9 m=16
